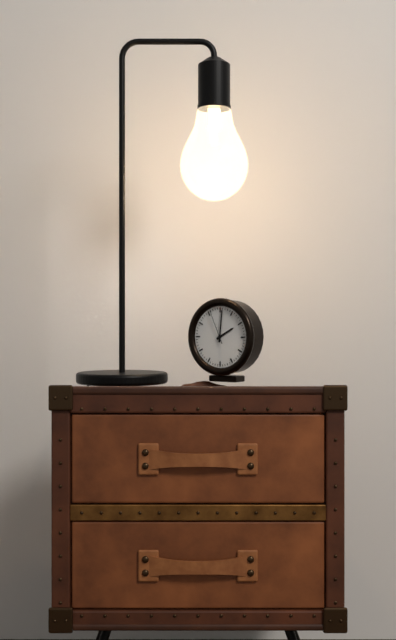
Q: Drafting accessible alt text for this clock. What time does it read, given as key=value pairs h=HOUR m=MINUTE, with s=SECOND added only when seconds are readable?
h=2 m=1
